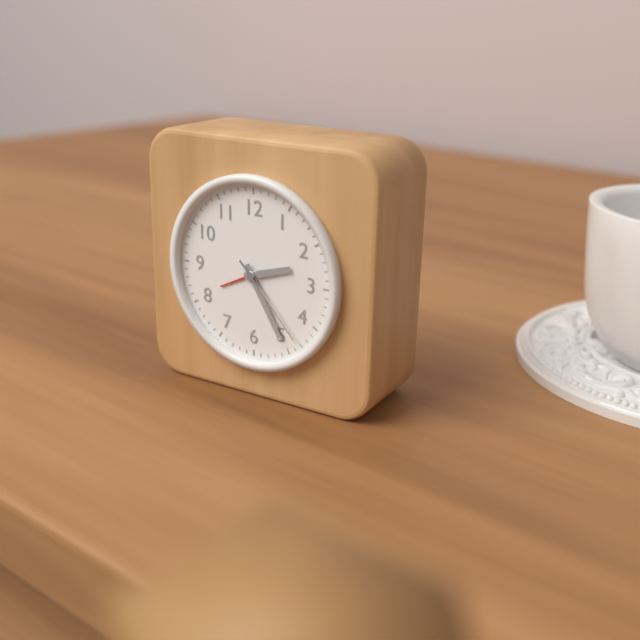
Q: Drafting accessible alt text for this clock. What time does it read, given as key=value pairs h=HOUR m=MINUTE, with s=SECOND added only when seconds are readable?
h=2 m=25 s=23
